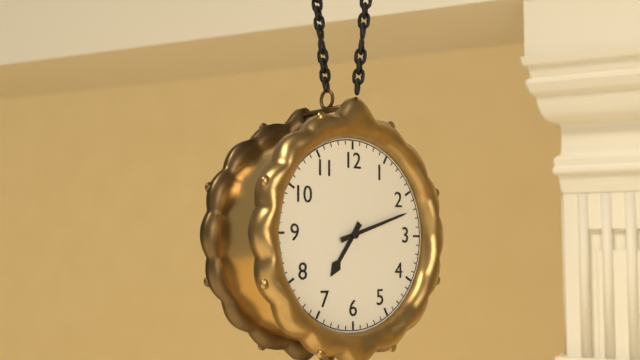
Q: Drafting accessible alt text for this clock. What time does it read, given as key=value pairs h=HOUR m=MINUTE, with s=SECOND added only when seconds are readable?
h=7 m=12
